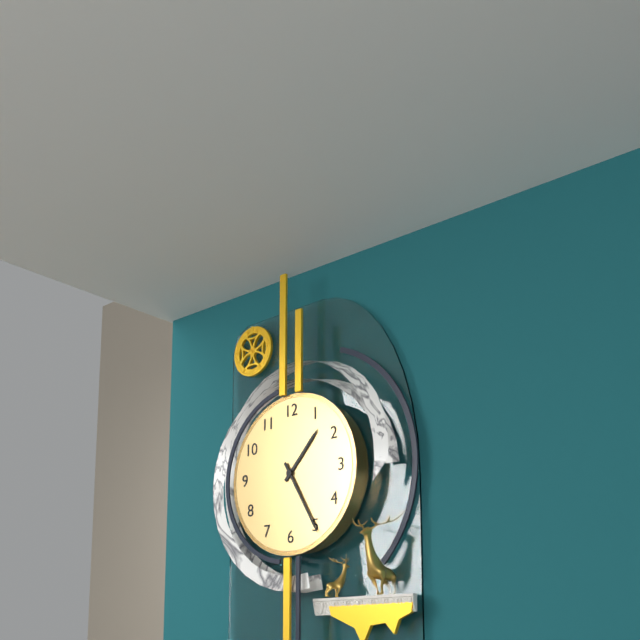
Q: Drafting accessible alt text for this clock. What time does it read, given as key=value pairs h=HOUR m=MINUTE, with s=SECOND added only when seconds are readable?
h=1 m=25
